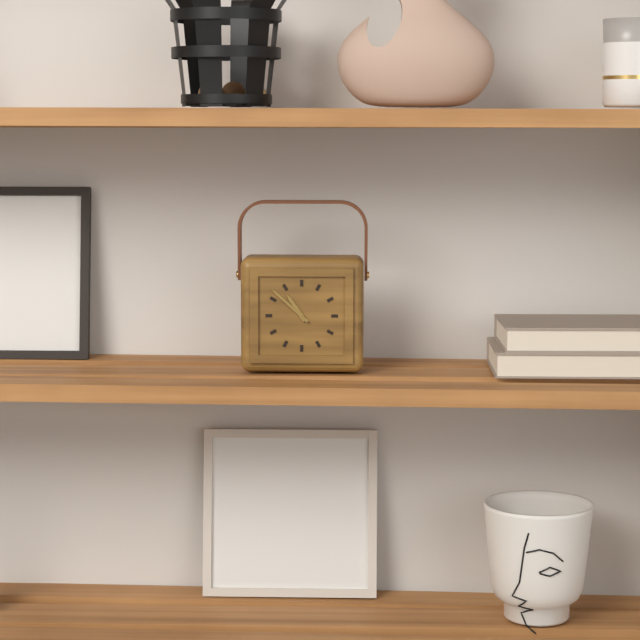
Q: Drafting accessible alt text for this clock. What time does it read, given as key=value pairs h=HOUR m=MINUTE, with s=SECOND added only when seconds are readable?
h=10 m=52
